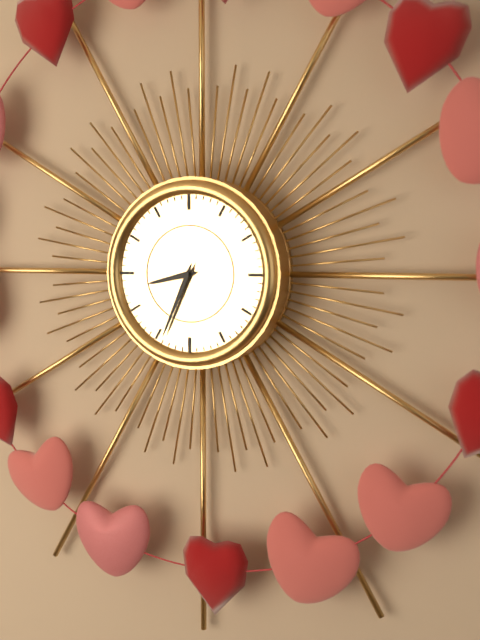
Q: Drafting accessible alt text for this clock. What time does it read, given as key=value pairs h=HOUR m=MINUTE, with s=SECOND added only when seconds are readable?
h=8 m=34
